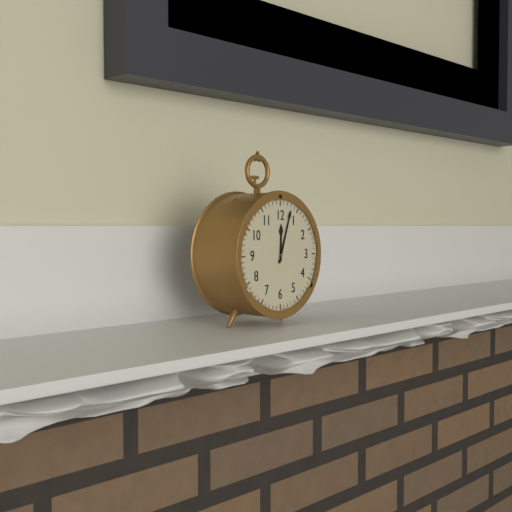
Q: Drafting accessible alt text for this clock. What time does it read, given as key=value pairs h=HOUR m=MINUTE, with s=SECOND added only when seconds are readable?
h=12 m=3
